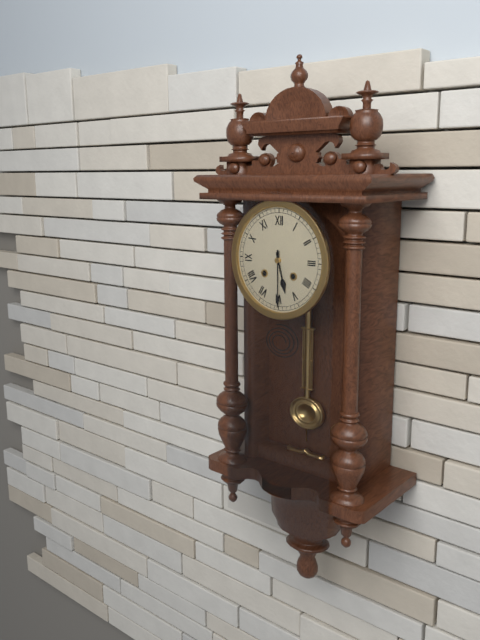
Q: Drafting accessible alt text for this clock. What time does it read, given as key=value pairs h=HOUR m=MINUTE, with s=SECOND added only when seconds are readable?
h=5 m=30
